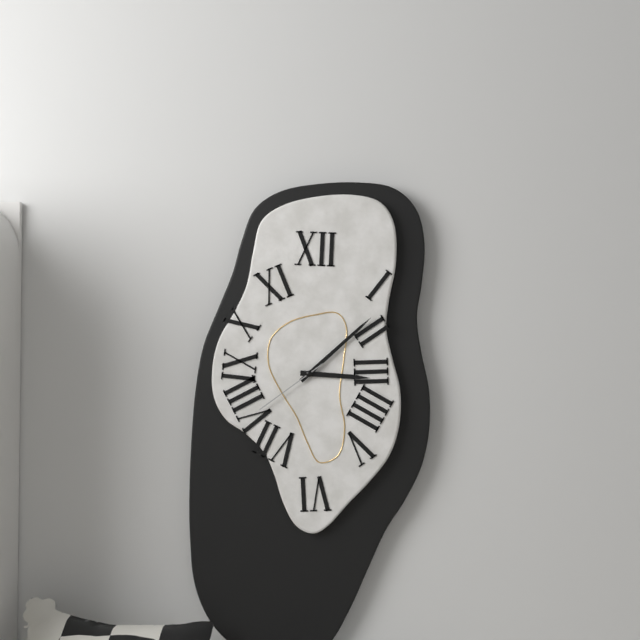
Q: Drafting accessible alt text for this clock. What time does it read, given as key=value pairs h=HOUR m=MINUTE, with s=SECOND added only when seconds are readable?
h=3 m=8 s=39
